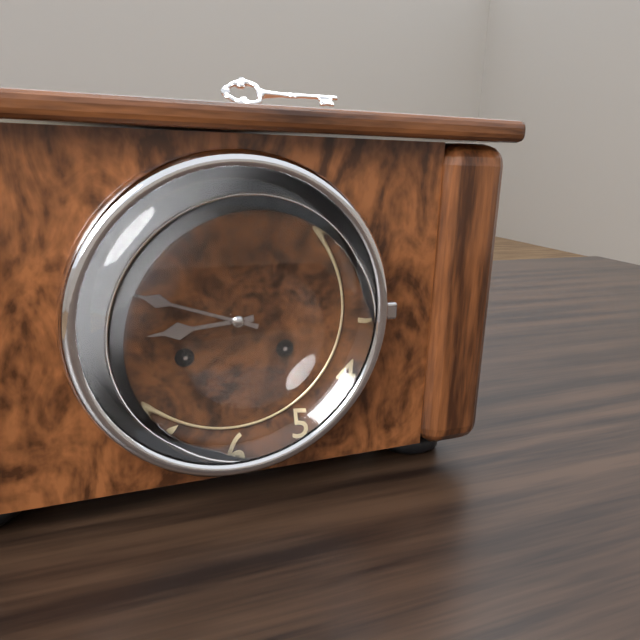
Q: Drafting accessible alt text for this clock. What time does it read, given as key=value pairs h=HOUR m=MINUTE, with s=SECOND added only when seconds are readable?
h=8 m=48
